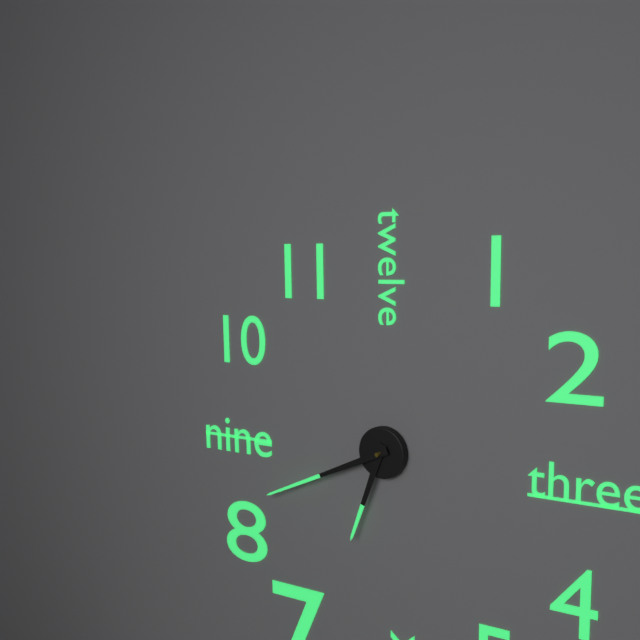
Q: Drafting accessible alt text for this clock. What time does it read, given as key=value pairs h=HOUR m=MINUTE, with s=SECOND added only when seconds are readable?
h=6 m=41
